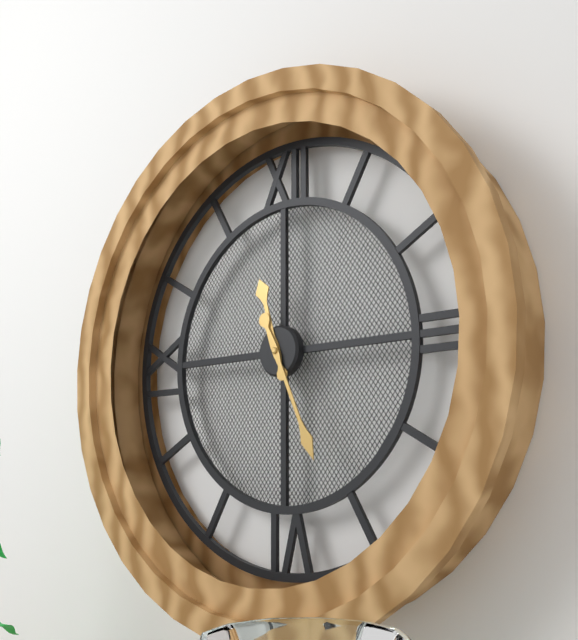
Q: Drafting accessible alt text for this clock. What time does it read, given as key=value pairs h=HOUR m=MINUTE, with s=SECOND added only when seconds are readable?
h=11 m=26
